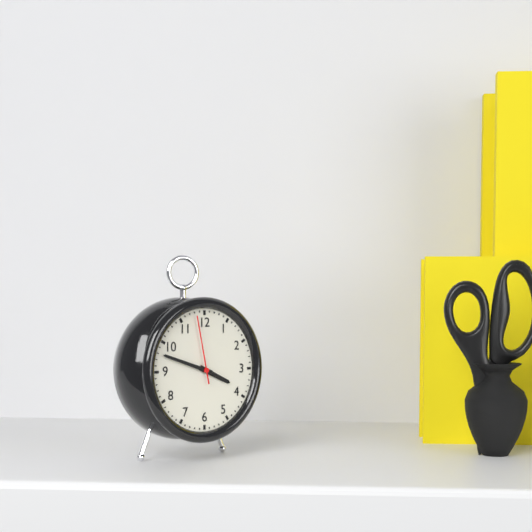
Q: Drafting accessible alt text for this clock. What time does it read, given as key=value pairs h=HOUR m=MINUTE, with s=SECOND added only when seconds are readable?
h=3 m=48 s=58
